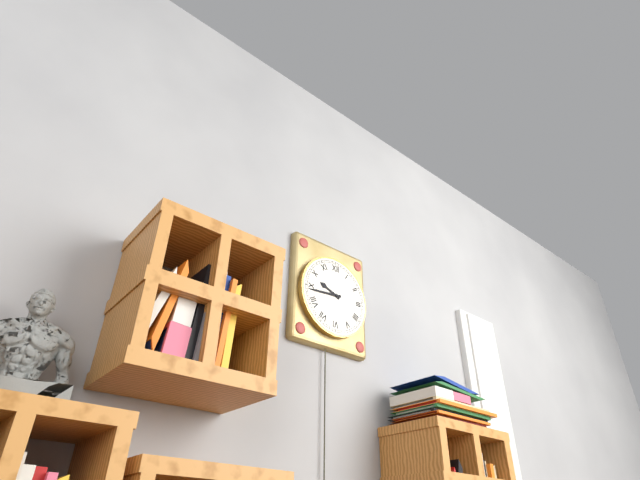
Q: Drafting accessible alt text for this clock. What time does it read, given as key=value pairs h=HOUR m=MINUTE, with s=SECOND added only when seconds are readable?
h=9 m=44
